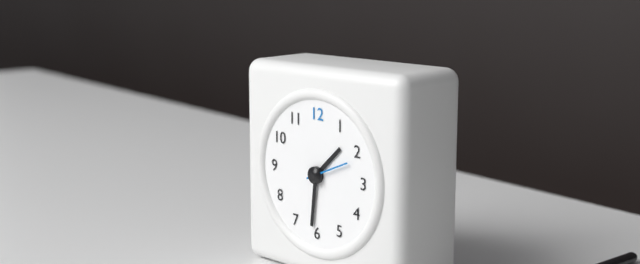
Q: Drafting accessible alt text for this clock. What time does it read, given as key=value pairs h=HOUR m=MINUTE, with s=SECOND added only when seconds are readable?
h=1 m=31
